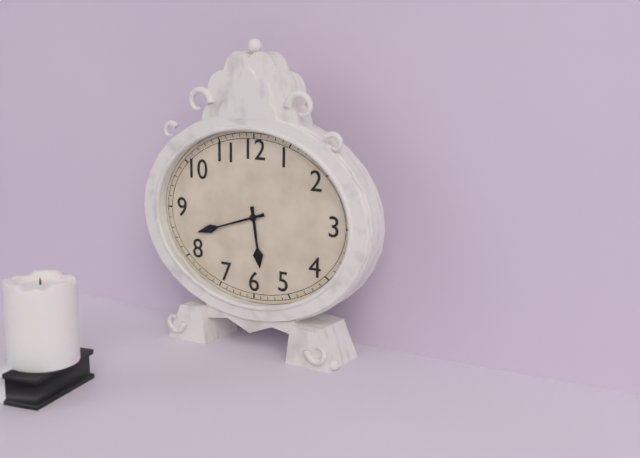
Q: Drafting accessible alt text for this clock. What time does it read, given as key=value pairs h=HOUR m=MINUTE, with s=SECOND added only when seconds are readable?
h=5 m=42
